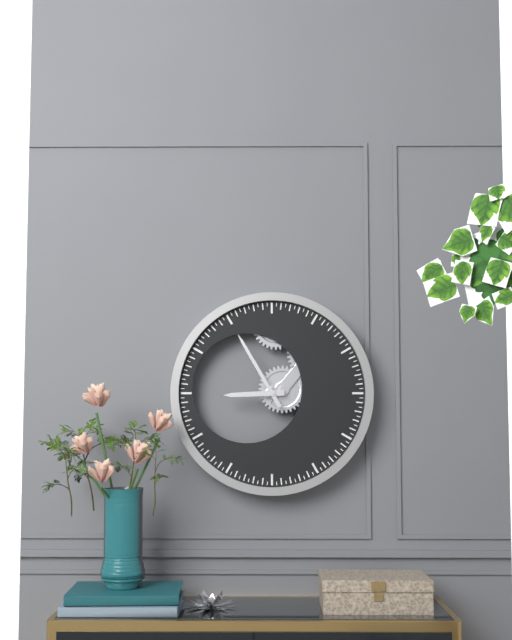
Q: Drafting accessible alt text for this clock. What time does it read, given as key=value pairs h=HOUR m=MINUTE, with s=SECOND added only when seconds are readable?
h=8 m=55
